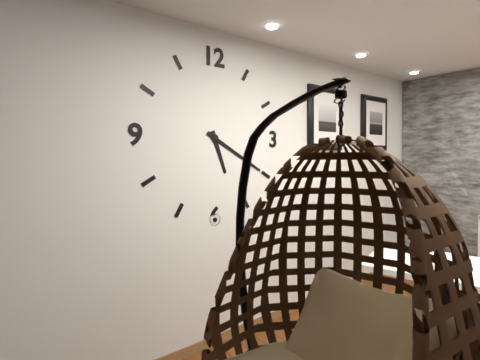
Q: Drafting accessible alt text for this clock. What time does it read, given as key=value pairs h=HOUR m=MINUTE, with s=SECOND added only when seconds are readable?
h=5 m=20
